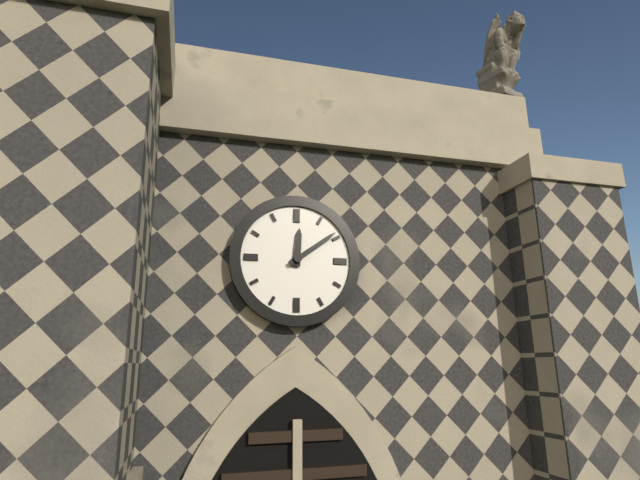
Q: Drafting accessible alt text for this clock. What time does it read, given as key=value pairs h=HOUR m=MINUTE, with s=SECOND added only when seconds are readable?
h=12 m=9
